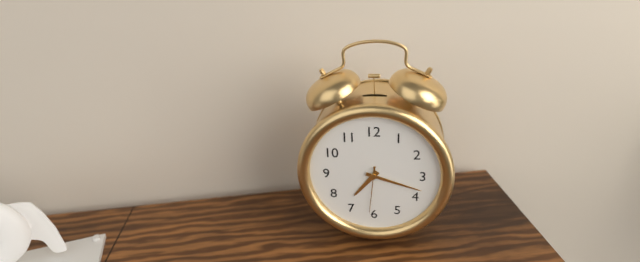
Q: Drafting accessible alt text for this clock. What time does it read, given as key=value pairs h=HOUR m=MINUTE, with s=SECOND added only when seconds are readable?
h=7 m=18
